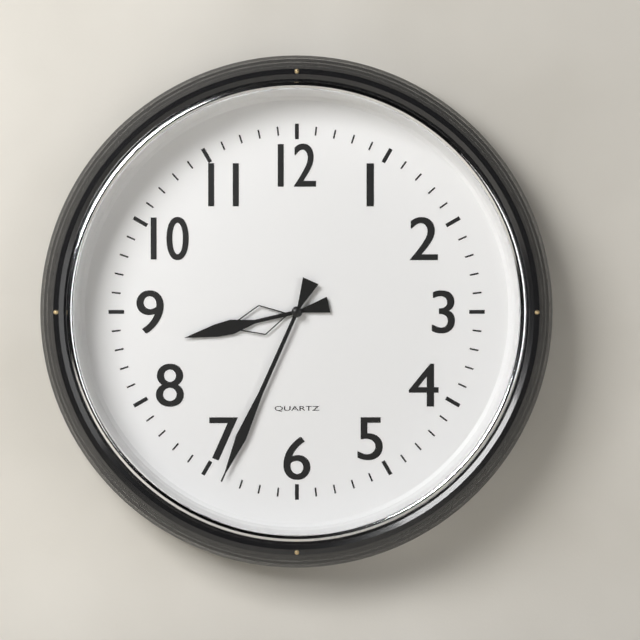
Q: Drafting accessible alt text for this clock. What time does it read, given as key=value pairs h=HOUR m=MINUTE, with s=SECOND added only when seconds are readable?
h=8 m=34
